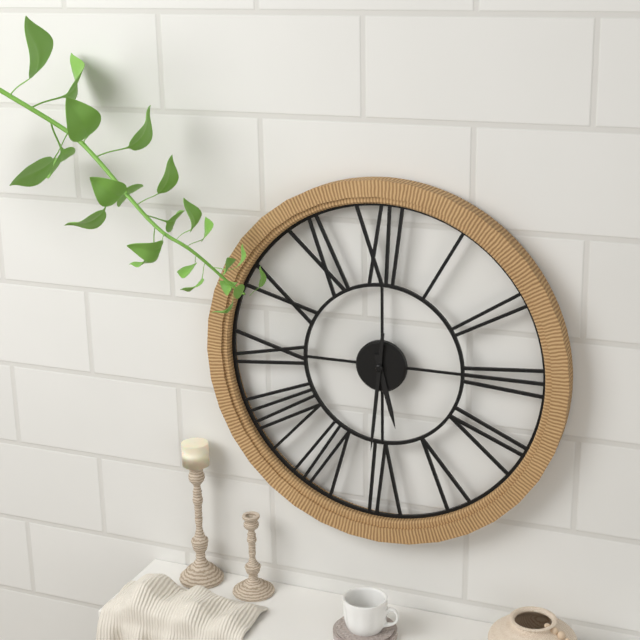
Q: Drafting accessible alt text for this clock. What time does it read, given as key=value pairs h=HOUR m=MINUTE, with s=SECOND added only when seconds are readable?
h=5 m=31
